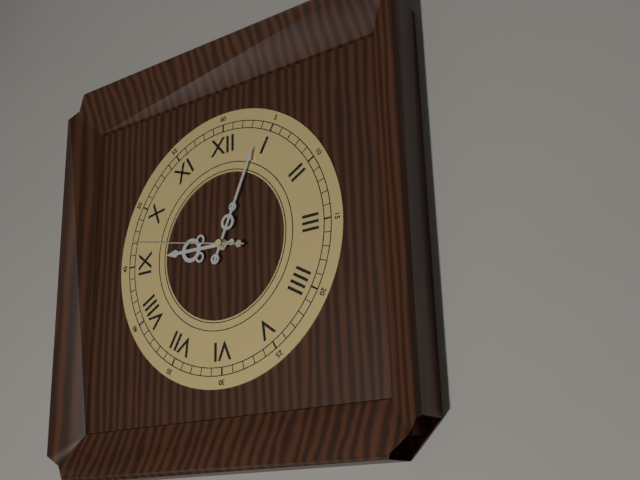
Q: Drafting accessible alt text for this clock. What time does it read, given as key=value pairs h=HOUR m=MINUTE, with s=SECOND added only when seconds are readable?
h=9 m=4 s=47
